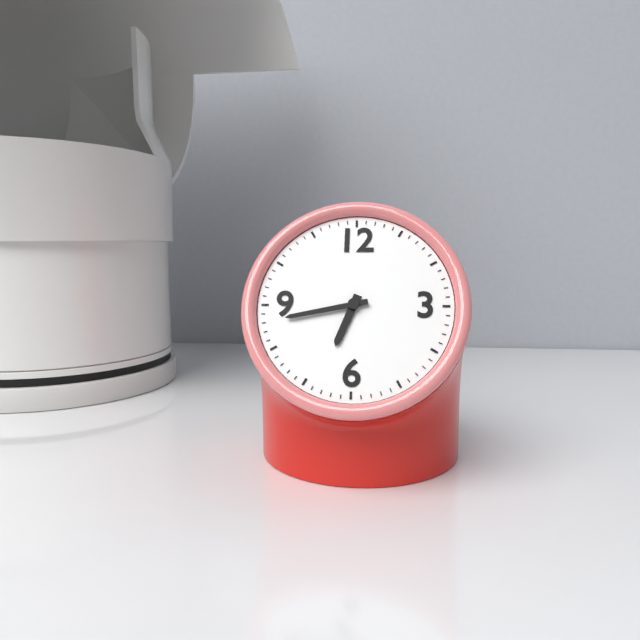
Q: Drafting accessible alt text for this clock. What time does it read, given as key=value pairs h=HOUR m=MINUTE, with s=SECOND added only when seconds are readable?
h=6 m=43
